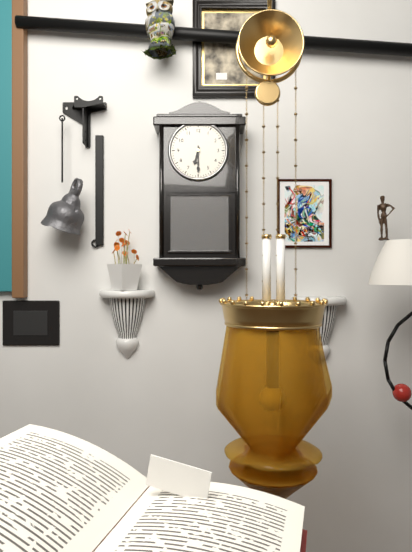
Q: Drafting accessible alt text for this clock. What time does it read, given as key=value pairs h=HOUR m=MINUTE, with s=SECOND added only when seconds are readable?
h=6 m=30
